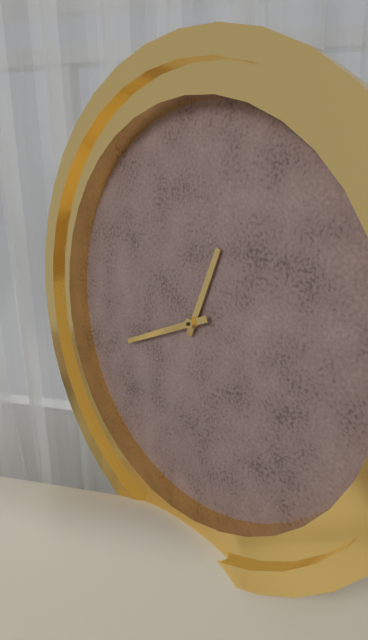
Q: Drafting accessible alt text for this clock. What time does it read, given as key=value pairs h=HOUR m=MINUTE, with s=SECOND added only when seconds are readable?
h=12 m=41
